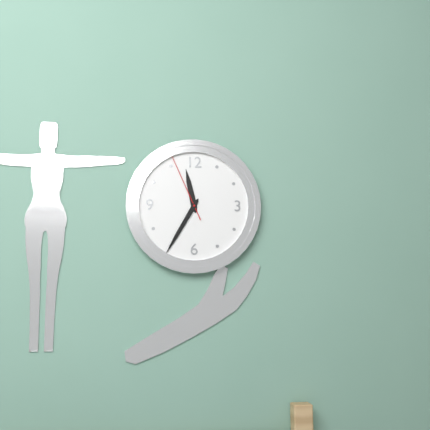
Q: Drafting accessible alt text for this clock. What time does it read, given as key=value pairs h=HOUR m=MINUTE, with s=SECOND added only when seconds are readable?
h=11 m=35 s=56
